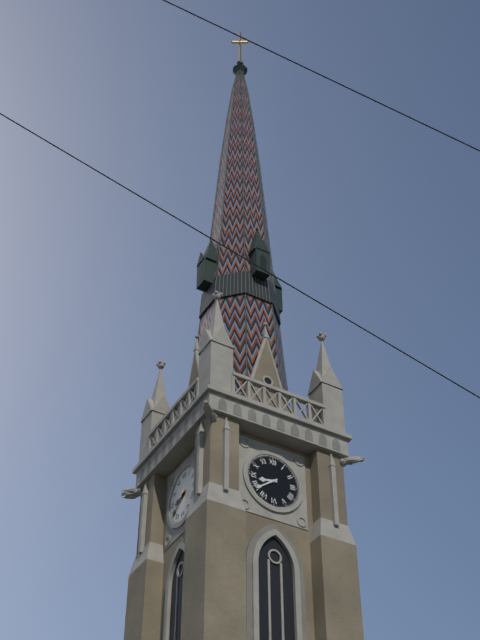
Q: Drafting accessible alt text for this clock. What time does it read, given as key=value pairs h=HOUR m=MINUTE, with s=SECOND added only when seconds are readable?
h=8 m=39
